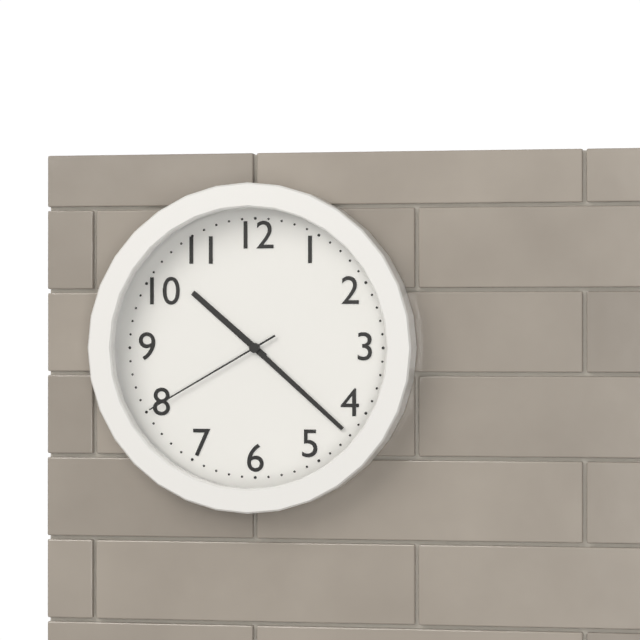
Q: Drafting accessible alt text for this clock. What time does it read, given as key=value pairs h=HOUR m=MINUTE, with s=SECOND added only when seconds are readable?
h=10 m=22 s=40
